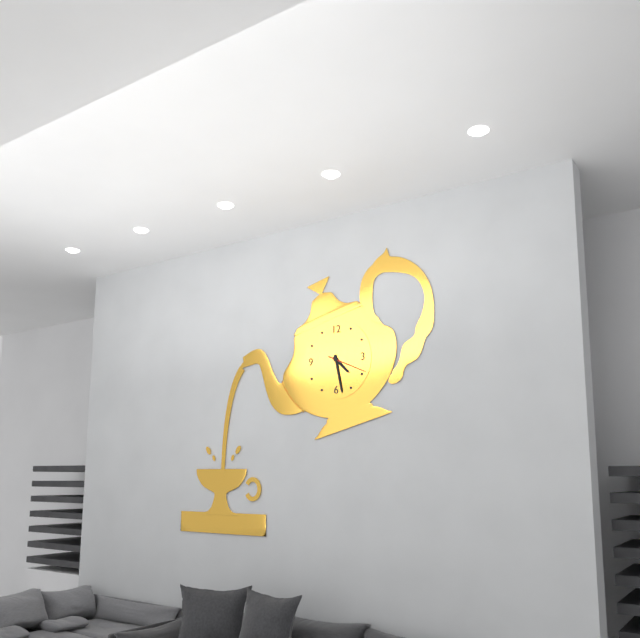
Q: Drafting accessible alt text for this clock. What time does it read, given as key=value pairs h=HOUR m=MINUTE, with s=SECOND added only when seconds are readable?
h=4 m=28
